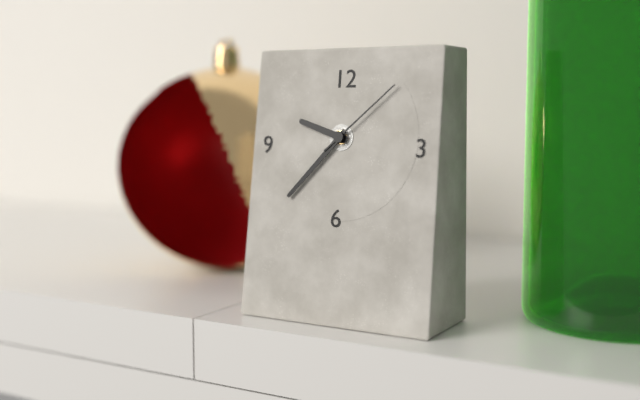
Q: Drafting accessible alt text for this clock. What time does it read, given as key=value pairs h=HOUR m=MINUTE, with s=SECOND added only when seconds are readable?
h=9 m=37 s=8
